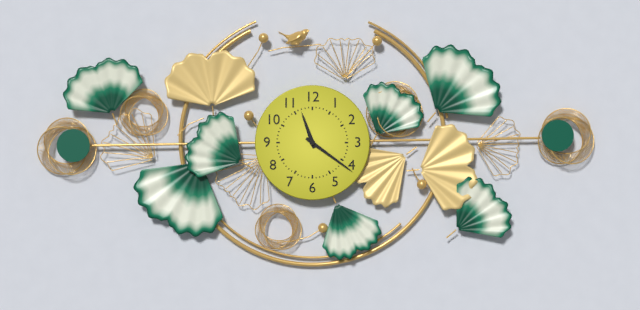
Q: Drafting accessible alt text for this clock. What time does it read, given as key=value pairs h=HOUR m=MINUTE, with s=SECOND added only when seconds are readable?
h=11 m=21
